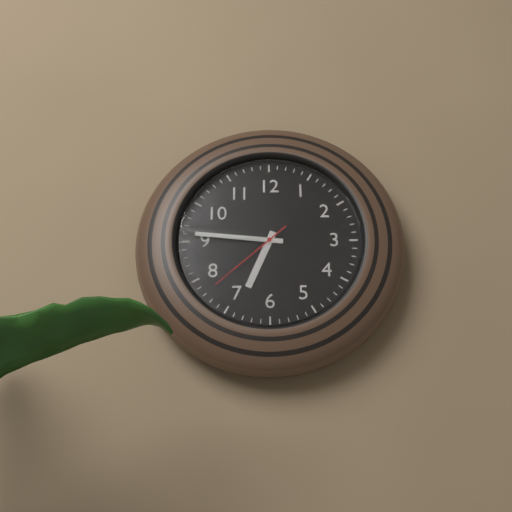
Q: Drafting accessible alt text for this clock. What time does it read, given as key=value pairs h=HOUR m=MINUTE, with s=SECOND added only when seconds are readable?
h=6 m=46 s=38
